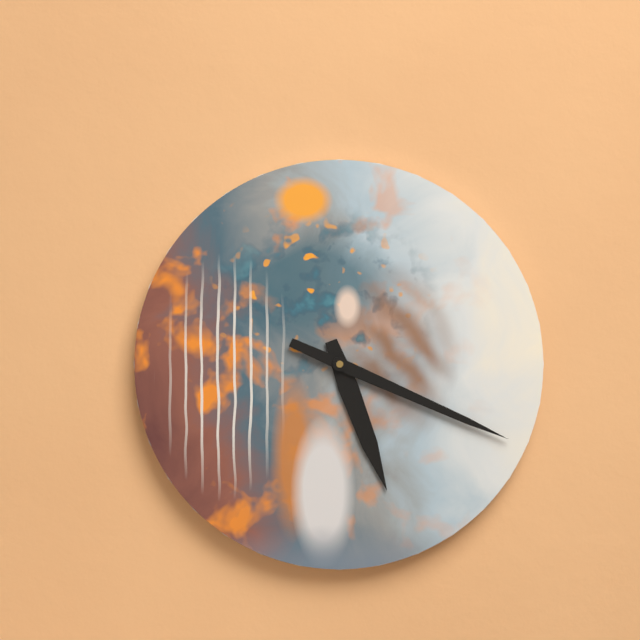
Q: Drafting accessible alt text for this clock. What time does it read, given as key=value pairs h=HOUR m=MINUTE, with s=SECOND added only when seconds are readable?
h=5 m=19
